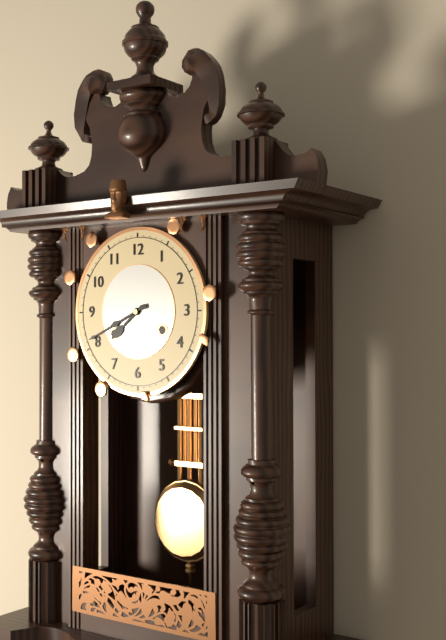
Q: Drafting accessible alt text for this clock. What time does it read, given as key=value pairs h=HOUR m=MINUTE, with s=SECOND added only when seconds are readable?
h=7 m=41
